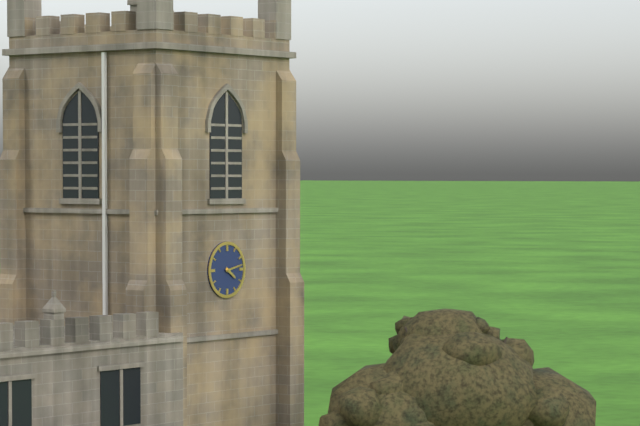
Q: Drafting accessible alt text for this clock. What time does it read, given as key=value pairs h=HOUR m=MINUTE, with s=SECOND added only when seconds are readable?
h=4 m=13
